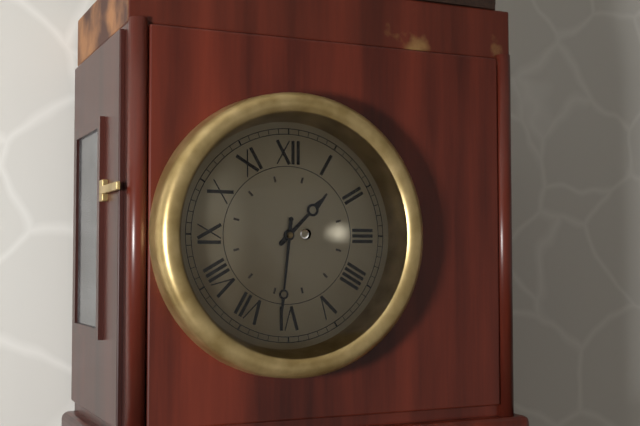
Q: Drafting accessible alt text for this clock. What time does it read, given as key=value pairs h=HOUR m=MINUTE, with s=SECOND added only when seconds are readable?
h=1 m=31
